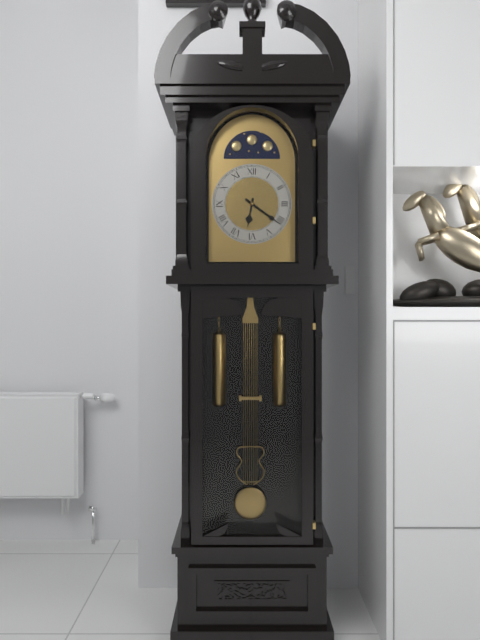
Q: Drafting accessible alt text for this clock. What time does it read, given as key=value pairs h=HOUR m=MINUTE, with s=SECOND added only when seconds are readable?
h=6 m=21
